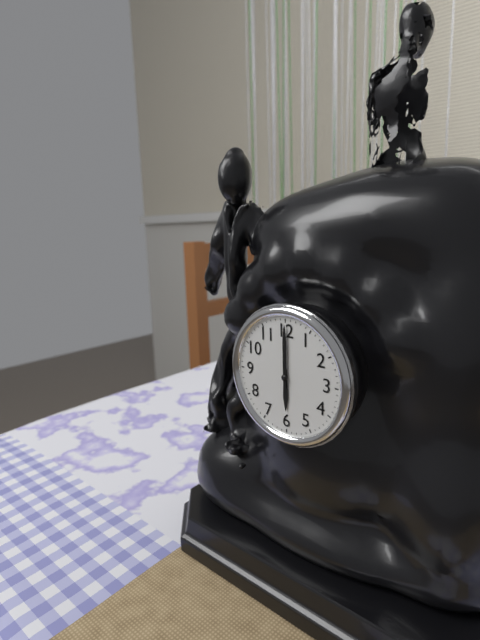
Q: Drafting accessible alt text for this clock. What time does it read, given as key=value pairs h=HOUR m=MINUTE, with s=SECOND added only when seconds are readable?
h=6 m=0
